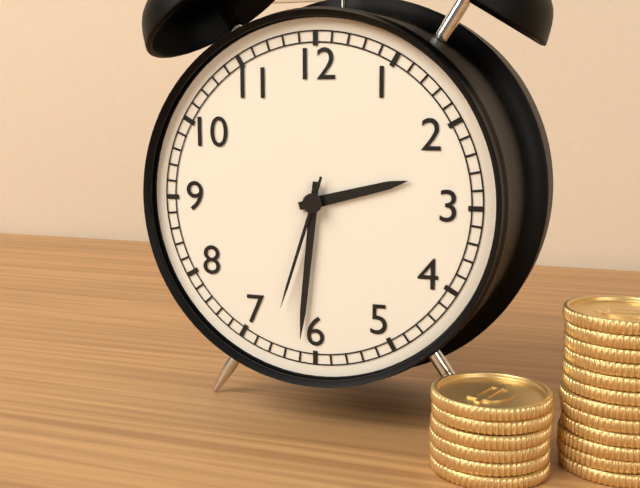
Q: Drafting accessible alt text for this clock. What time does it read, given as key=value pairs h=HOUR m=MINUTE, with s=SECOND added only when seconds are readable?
h=2 m=31 s=33
